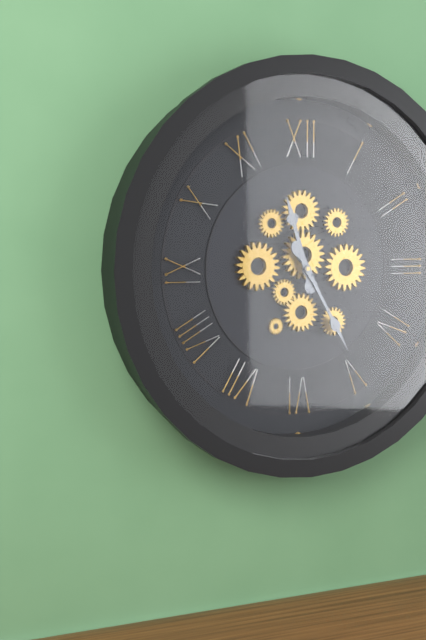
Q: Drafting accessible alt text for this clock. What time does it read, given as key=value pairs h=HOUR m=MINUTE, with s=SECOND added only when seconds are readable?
h=11 m=25
